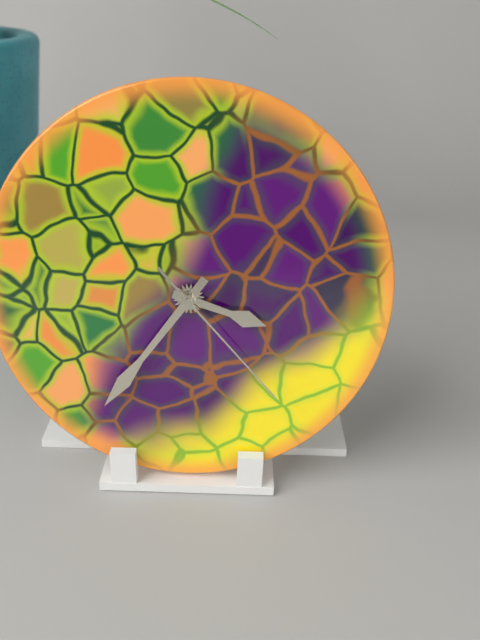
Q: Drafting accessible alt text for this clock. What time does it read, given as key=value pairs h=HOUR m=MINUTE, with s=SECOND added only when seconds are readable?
h=3 m=36 s=23
